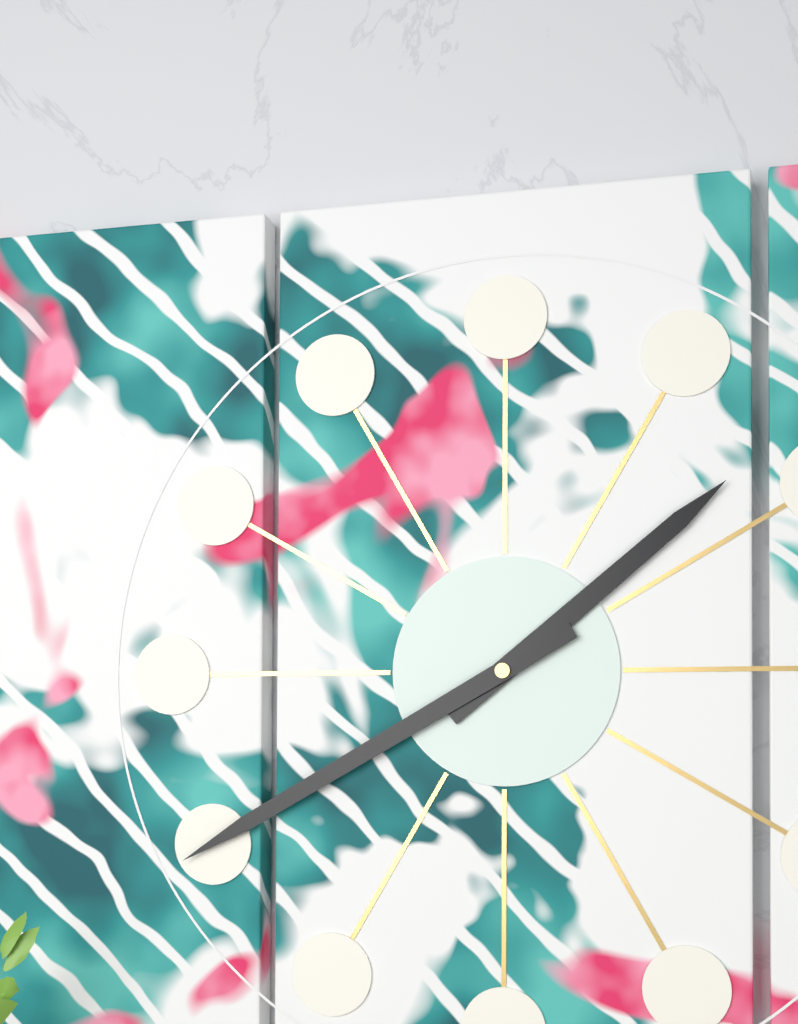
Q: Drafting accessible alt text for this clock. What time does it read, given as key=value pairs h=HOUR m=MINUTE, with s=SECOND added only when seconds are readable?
h=1 m=40
